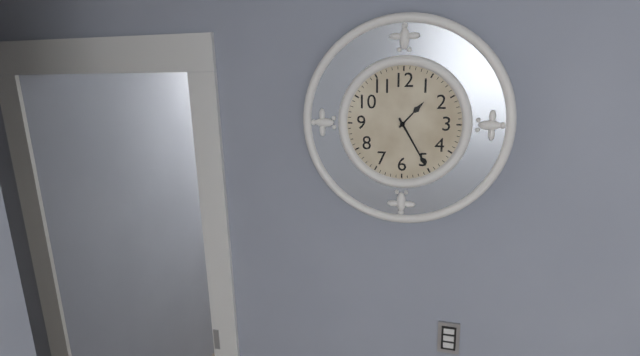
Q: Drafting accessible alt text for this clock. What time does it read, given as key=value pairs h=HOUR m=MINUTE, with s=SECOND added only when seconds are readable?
h=1 m=25
